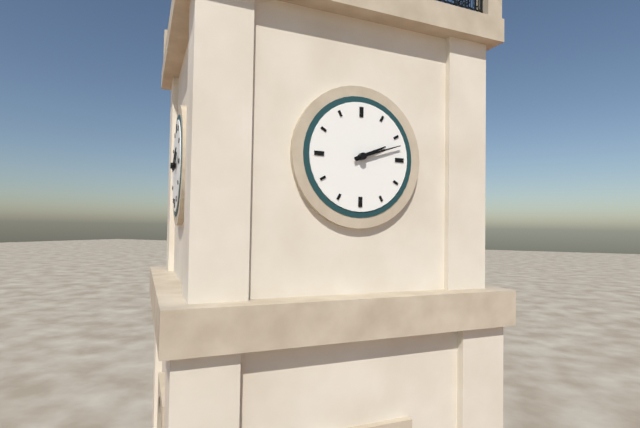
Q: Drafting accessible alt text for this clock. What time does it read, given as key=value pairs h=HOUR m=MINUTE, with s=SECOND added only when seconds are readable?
h=2 m=12
